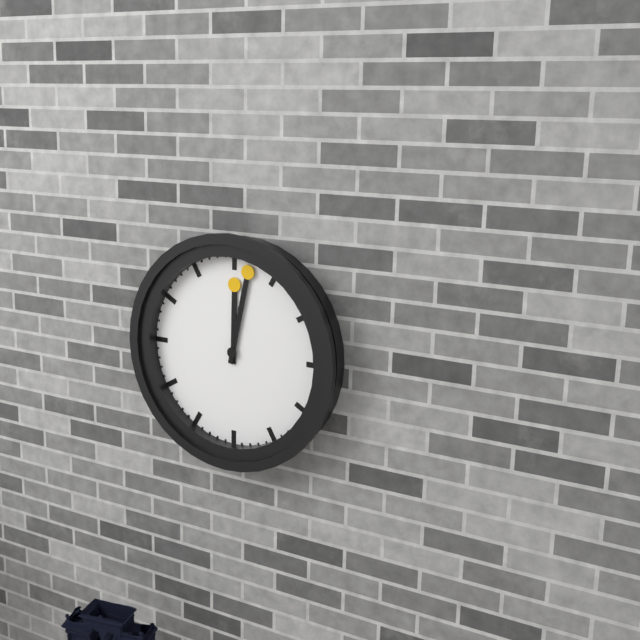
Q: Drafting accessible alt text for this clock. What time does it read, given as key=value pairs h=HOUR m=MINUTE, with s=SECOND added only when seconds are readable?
h=12 m=2
